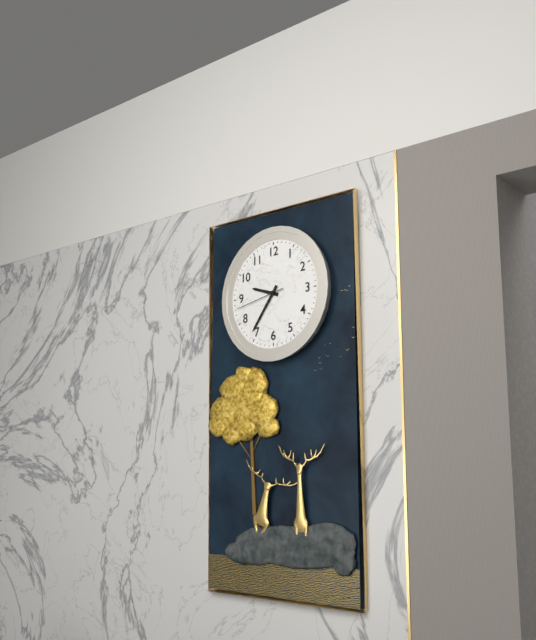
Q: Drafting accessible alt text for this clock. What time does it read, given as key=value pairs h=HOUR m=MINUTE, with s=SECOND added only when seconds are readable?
h=9 m=36
